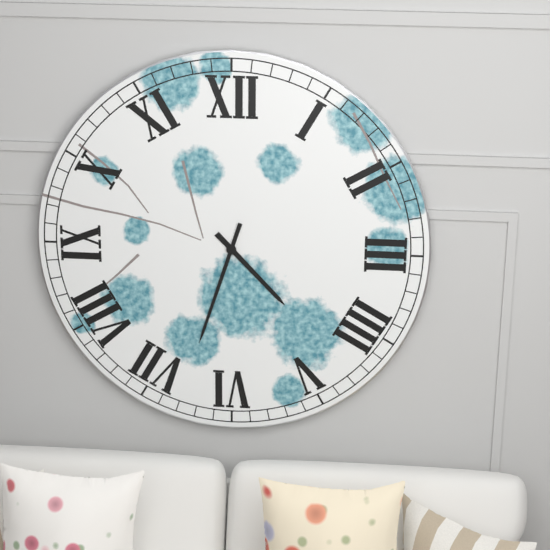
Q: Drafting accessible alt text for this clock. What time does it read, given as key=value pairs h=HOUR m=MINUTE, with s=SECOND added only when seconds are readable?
h=4 m=33
